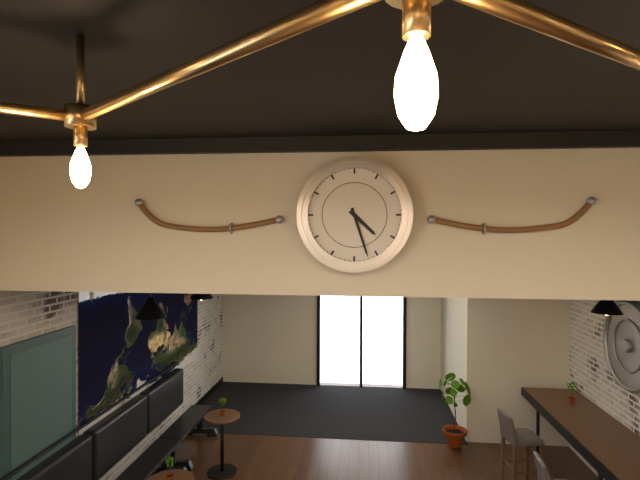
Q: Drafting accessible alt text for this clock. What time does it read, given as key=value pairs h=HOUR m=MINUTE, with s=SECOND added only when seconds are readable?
h=4 m=27
